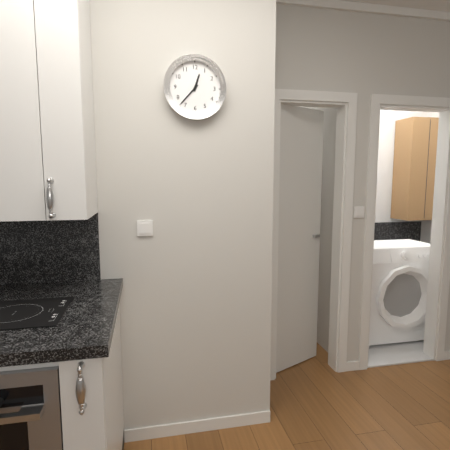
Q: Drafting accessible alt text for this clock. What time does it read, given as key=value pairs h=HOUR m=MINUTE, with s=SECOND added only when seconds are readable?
h=12 m=37
